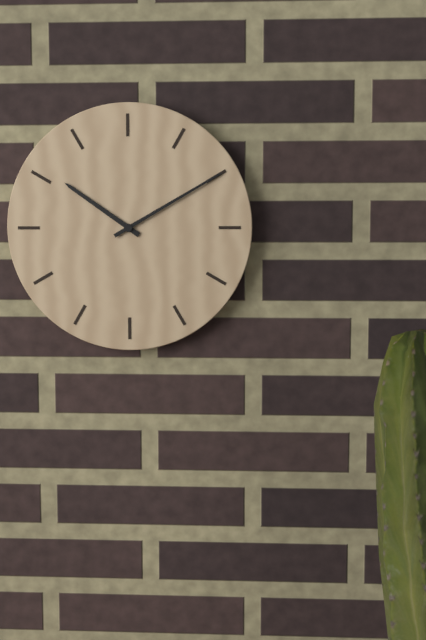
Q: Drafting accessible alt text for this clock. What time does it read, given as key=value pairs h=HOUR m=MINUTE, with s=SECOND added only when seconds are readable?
h=10 m=10
